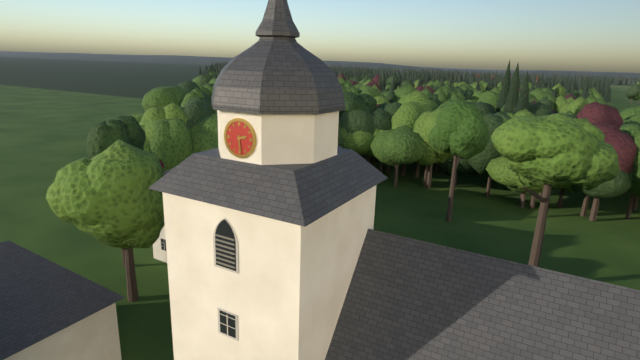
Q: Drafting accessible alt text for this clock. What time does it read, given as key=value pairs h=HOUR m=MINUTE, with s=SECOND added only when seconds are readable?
h=2 m=29
